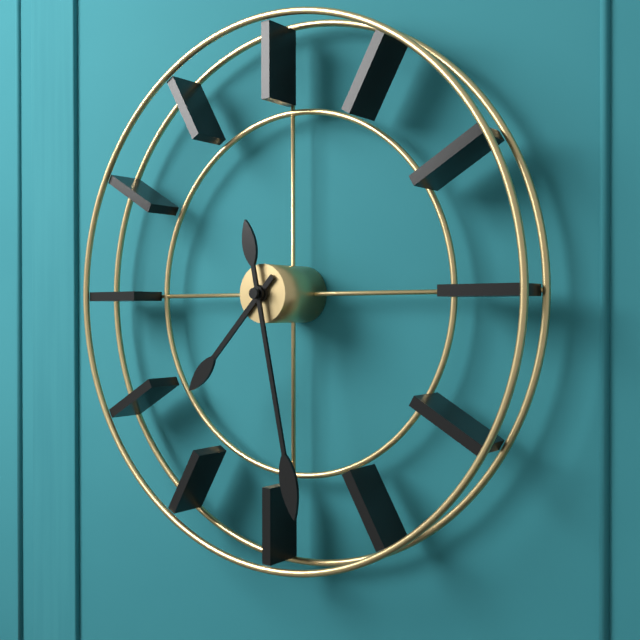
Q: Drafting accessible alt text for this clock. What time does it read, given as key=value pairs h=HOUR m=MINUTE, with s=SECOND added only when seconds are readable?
h=7 m=28
